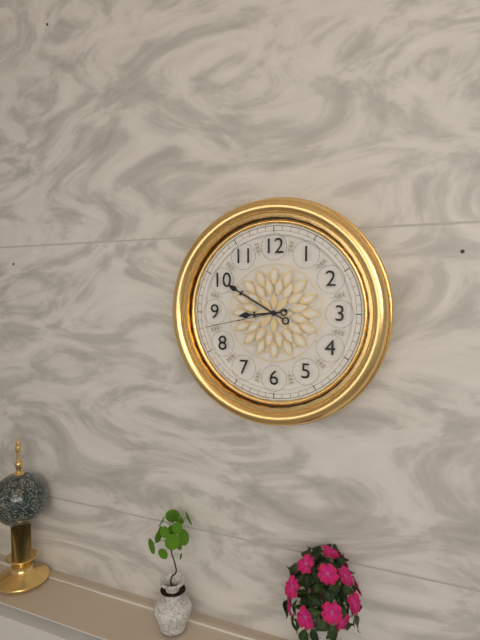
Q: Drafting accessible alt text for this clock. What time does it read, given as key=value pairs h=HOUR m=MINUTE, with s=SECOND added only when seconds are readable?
h=8 m=50 s=43
